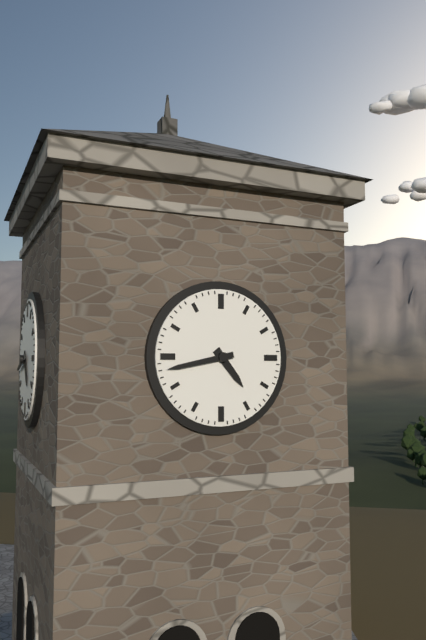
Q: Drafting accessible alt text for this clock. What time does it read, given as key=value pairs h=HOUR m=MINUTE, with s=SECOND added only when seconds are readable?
h=4 m=43
